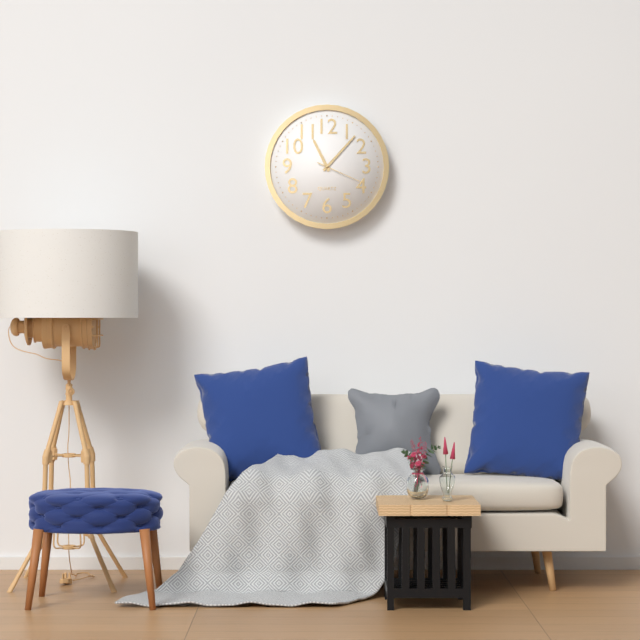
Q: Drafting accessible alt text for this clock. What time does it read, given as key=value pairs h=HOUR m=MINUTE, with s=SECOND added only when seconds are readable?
h=11 m=7
